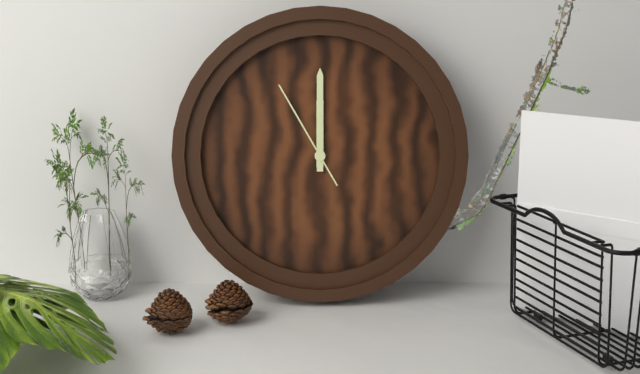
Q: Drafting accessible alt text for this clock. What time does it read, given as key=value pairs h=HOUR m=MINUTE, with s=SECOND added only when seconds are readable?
h=12 m=0 s=55
